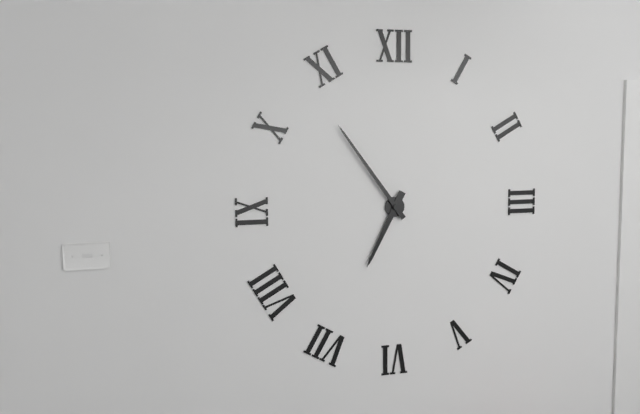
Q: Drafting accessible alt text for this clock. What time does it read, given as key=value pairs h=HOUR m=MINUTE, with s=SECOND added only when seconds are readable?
h=6 m=54
